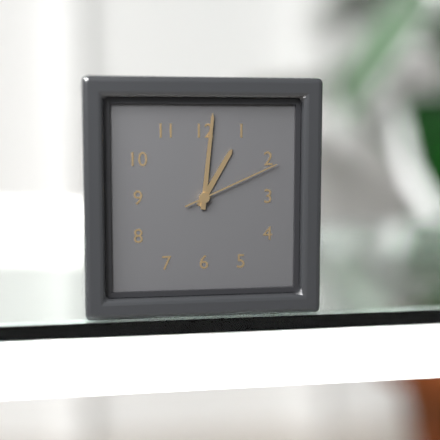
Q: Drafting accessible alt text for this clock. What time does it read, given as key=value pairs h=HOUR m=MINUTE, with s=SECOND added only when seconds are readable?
h=1 m=1 s=11
